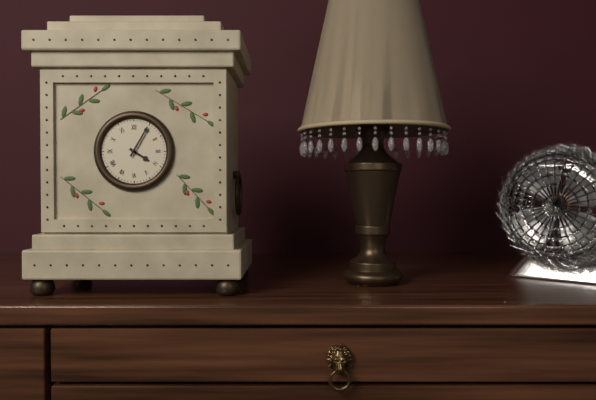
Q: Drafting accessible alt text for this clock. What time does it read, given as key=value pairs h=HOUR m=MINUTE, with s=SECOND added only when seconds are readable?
h=4 m=5
